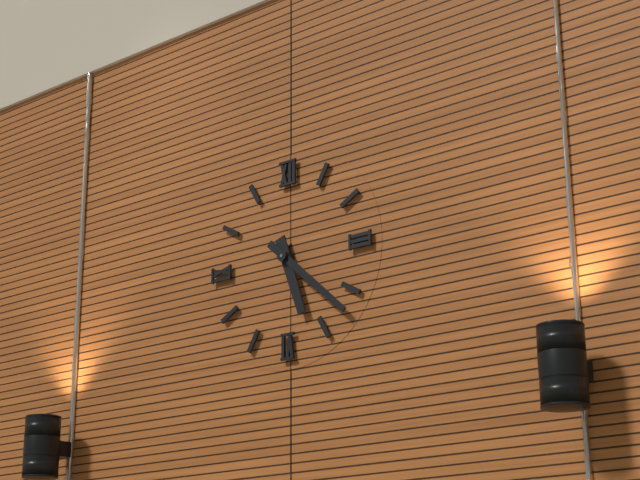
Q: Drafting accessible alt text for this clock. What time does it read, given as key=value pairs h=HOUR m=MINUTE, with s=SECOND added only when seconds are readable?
h=5 m=22
